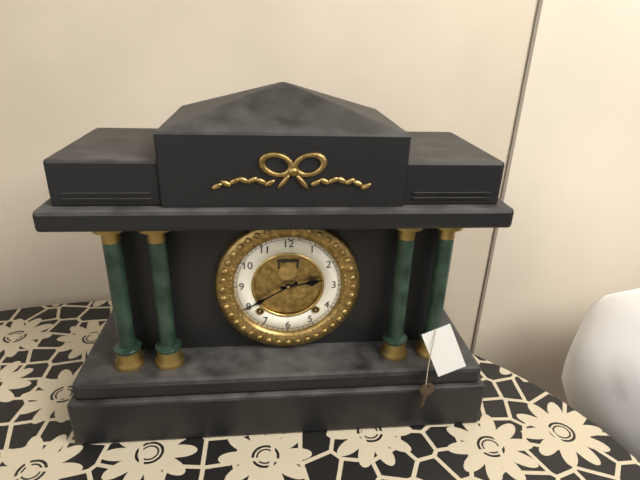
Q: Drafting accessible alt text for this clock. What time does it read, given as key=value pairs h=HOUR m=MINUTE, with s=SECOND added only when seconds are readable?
h=2 m=40
